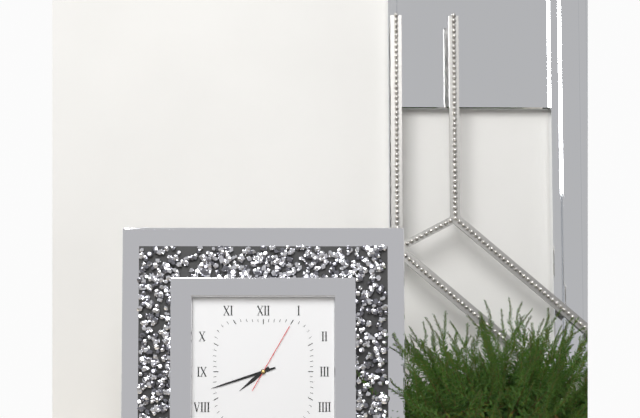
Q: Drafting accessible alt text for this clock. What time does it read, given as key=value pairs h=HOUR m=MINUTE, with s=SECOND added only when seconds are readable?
h=7 m=42 s=5
